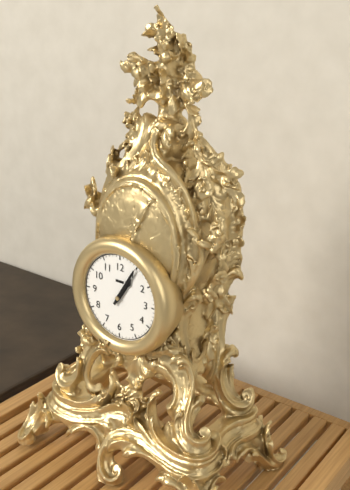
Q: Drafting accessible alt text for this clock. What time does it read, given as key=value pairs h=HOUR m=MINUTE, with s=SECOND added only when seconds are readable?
h=1 m=5
